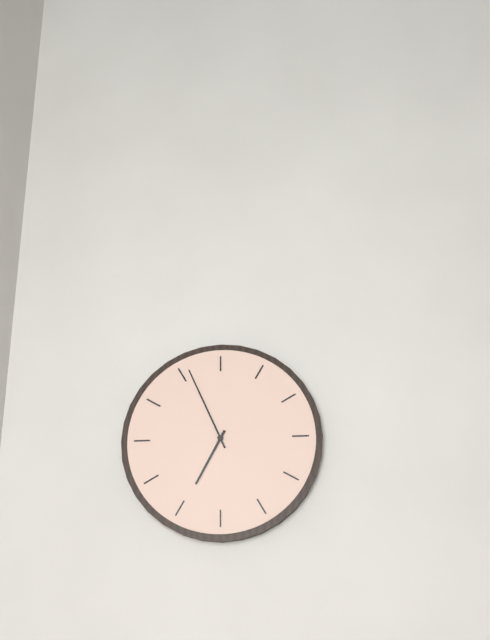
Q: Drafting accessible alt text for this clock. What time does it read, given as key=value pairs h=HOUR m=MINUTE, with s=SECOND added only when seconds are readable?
h=6 m=56
